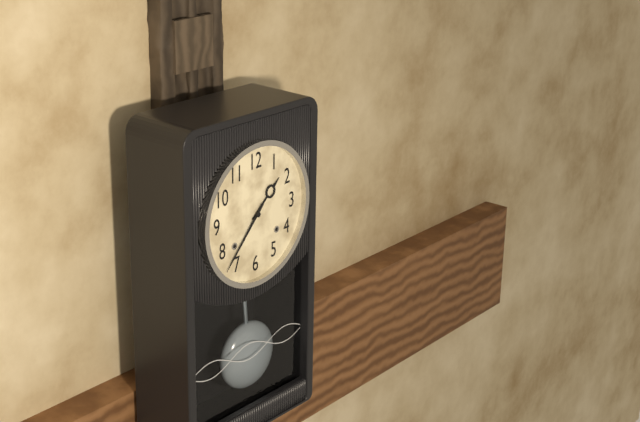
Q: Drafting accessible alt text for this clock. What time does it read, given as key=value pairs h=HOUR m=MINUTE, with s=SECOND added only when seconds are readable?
h=1 m=37
